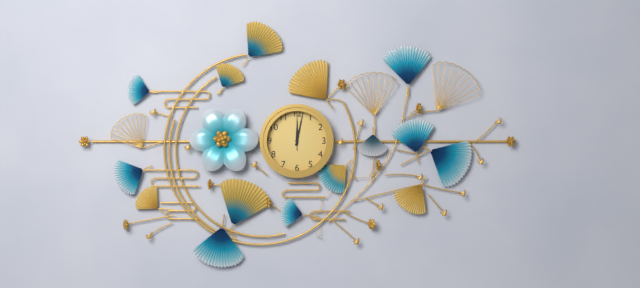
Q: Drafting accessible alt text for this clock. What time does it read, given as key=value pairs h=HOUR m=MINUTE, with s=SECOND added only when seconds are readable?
h=12 m=2
